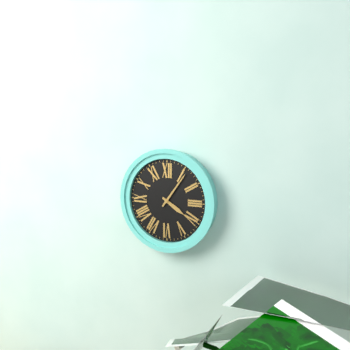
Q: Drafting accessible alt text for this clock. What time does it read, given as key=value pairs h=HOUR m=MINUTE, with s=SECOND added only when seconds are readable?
h=4 m=6
